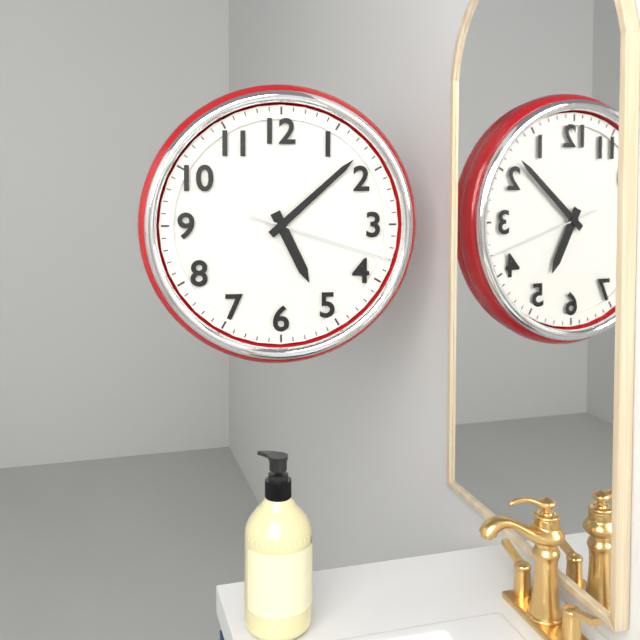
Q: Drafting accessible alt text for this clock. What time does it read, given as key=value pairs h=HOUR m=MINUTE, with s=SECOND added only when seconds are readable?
h=5 m=8 s=18
